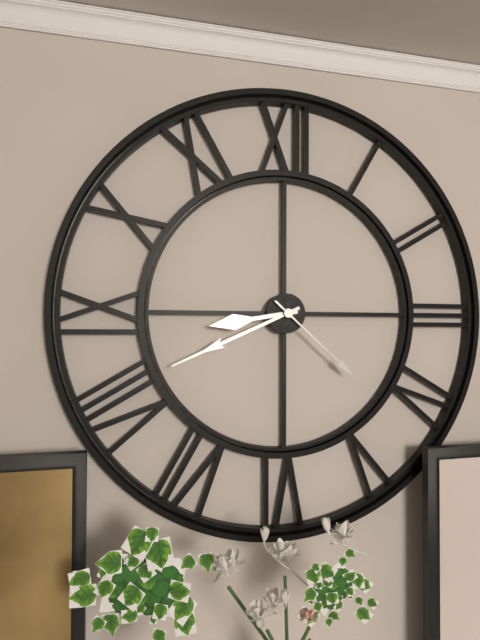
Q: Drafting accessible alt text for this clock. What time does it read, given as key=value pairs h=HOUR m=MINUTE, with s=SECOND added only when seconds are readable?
h=8 m=41 s=22
